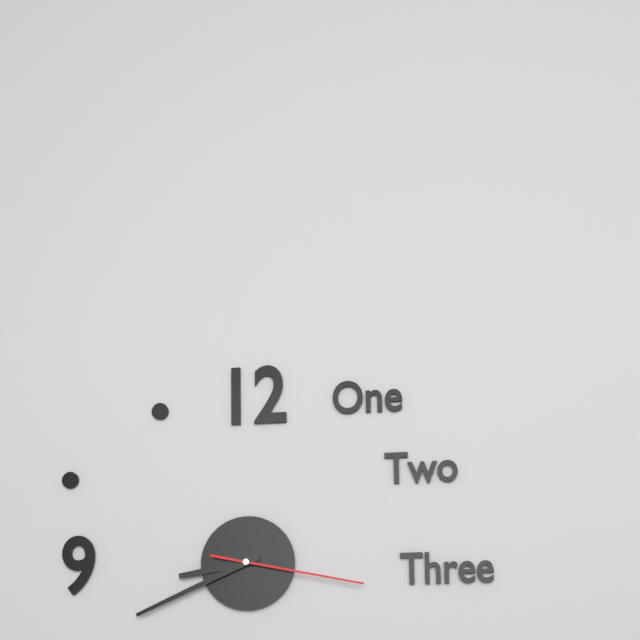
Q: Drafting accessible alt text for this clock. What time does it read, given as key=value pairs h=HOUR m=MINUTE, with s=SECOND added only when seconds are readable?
h=8 m=41 s=17
